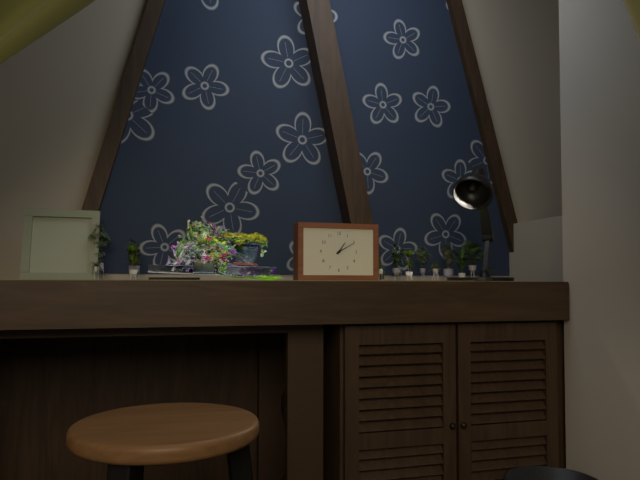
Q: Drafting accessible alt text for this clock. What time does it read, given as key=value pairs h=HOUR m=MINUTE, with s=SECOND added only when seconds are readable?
h=1 m=10
